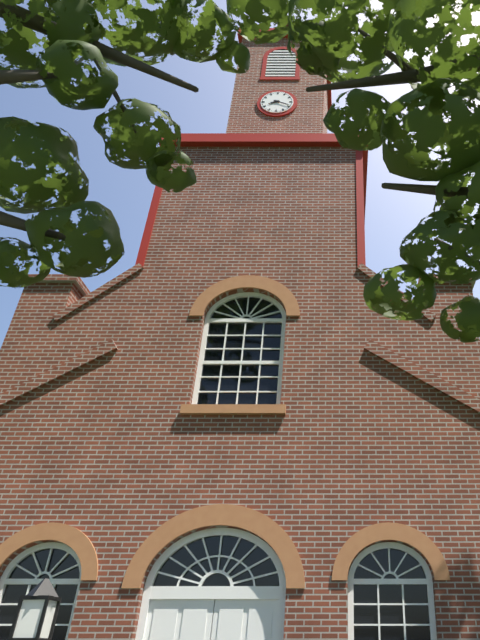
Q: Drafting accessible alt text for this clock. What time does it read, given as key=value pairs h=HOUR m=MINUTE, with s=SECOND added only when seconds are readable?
h=8 m=19
